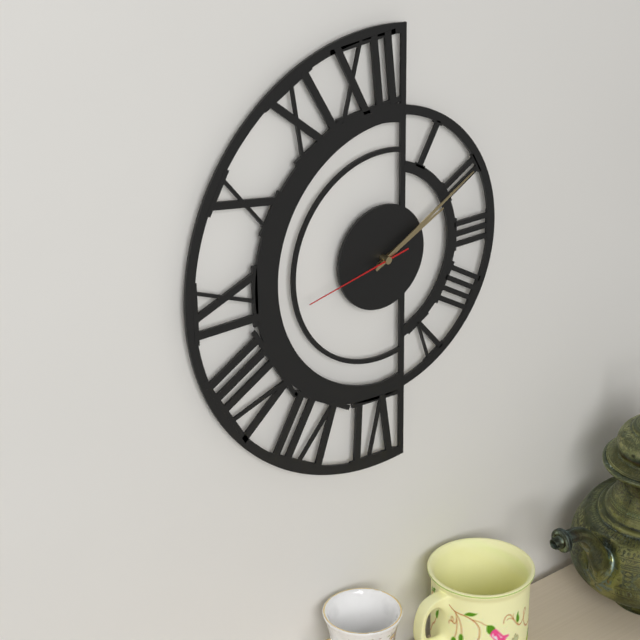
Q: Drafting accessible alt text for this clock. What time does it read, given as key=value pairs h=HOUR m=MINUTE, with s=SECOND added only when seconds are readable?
h=2 m=10 s=43
